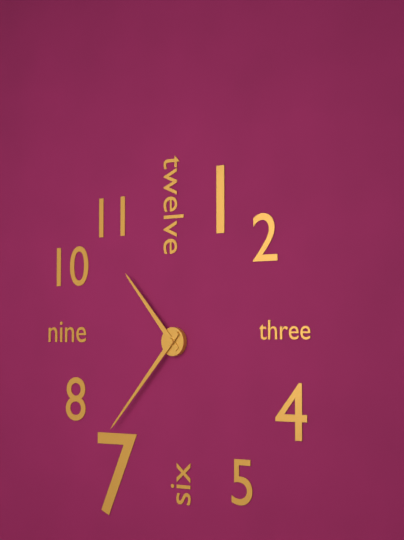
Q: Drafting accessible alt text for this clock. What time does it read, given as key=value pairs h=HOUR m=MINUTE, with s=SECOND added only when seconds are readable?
h=10 m=37
